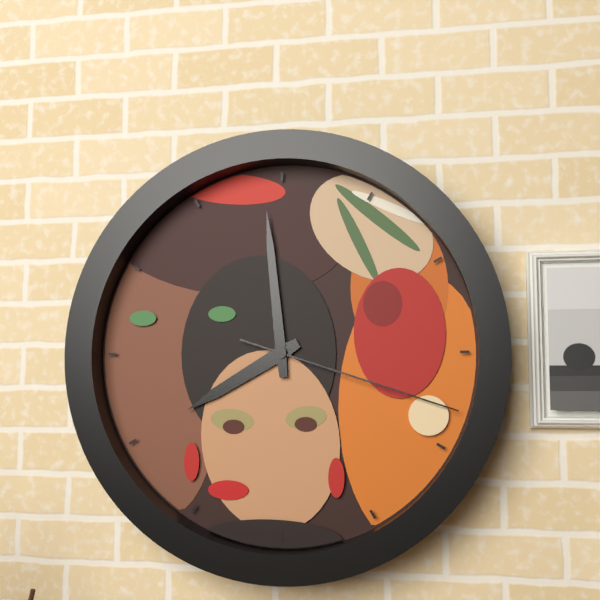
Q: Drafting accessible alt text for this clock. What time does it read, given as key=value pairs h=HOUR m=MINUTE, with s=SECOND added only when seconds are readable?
h=7 m=59 s=18
